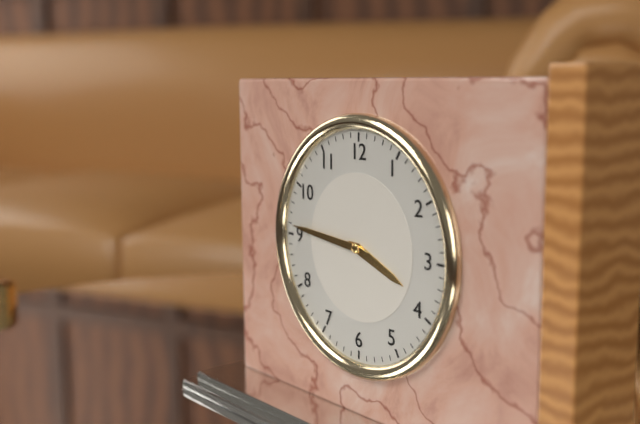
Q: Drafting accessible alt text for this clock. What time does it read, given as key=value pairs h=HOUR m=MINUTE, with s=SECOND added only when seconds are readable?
h=3 m=46
